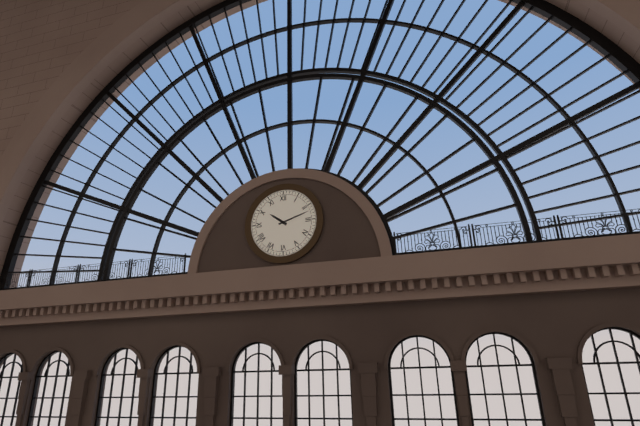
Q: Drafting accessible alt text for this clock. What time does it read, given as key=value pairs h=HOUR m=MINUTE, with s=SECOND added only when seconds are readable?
h=10 m=12
